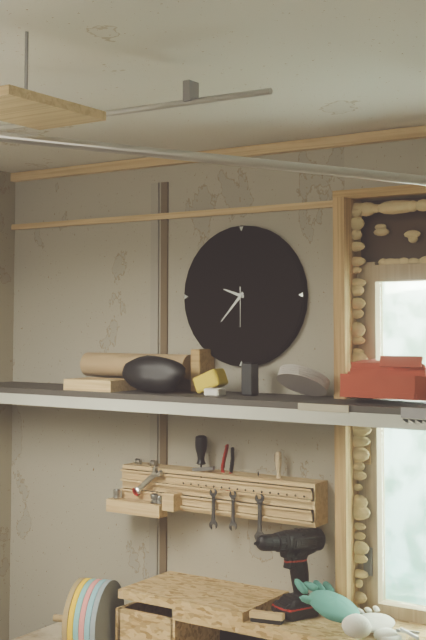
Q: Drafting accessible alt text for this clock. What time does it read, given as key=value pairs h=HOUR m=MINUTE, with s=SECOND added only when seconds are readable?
h=9 m=37
